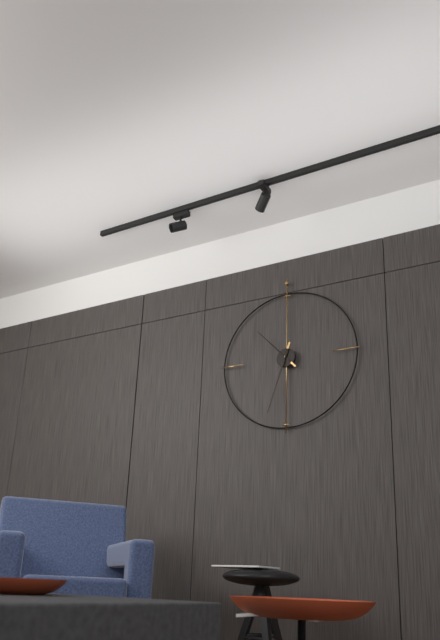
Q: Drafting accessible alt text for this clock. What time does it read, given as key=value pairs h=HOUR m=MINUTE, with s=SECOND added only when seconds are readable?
h=10 m=33
